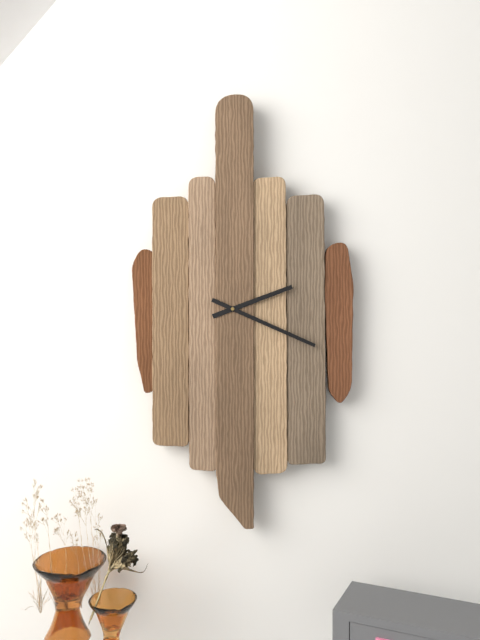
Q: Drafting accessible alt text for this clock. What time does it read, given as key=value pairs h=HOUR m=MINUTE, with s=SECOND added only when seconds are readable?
h=2 m=19
